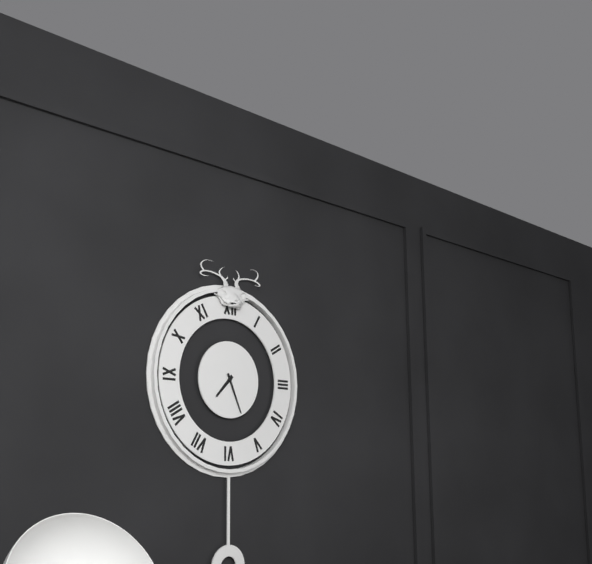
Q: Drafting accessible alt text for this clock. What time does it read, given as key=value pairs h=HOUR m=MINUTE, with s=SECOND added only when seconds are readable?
h=7 m=26
